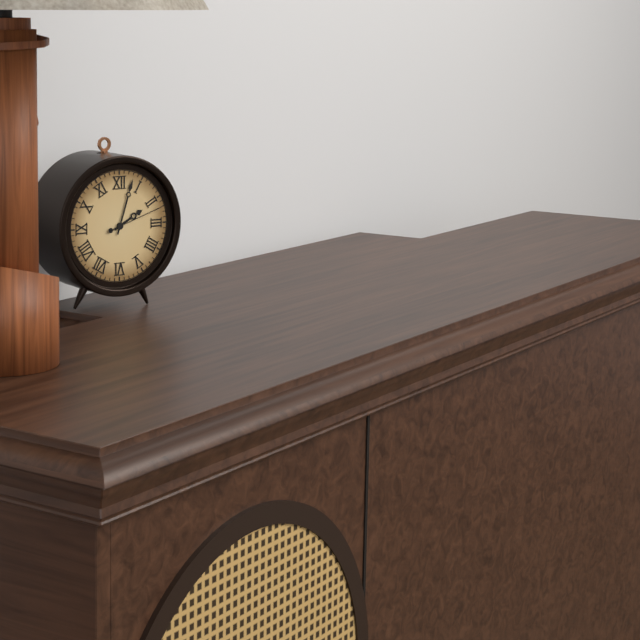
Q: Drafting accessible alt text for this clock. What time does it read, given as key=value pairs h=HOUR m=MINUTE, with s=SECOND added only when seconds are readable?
h=2 m=3 s=12
